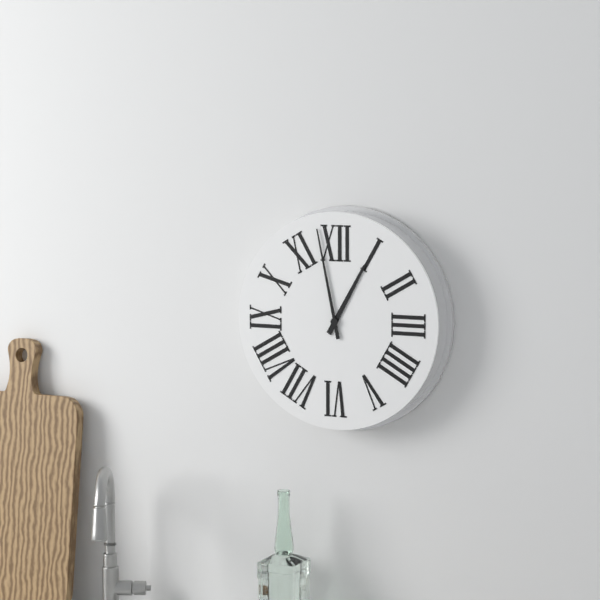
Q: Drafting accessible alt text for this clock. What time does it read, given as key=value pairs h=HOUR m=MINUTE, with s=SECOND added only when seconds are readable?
h=12 m=58
